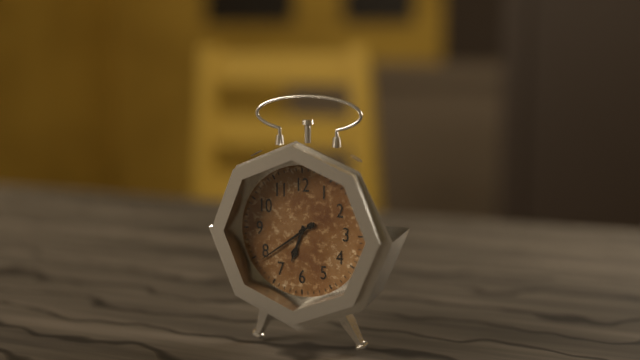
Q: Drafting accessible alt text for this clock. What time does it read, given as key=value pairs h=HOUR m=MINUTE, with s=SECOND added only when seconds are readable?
h=6 m=39
